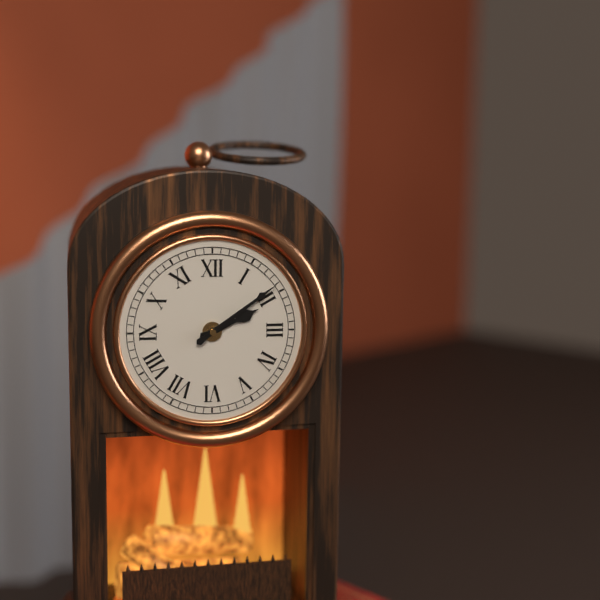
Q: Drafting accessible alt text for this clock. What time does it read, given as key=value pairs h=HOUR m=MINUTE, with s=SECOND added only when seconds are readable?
h=2 m=9
